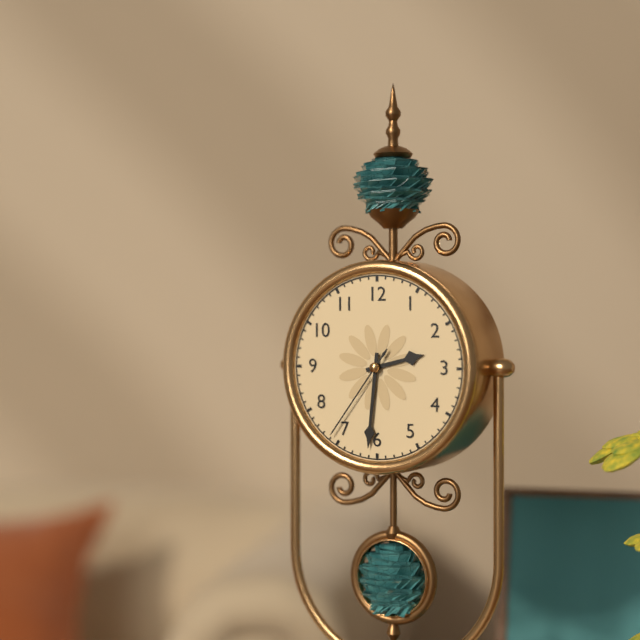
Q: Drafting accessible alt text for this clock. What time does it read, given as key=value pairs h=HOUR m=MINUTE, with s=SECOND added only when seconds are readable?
h=2 m=31 s=36
